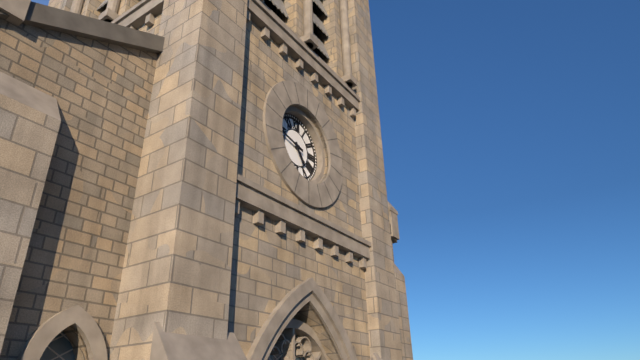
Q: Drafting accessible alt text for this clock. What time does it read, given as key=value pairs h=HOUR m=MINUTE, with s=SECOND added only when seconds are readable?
h=4 m=47
